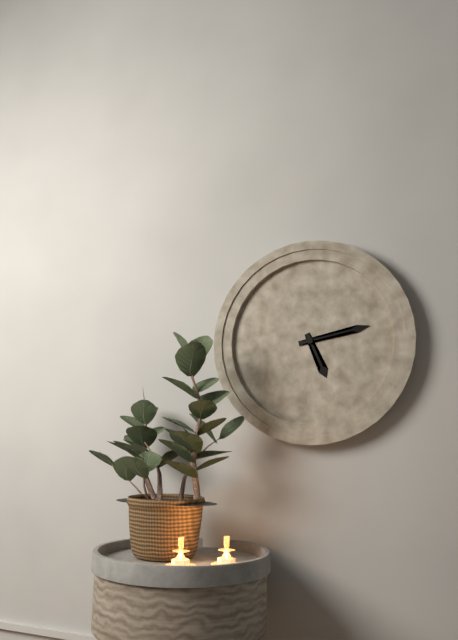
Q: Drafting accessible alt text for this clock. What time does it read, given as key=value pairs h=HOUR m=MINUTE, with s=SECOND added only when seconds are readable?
h=5 m=13
